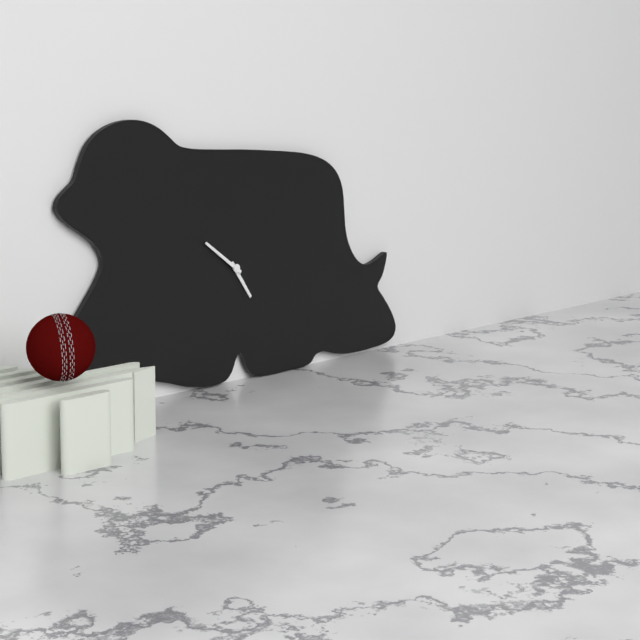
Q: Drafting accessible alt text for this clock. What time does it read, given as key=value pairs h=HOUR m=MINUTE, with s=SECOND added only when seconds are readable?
h=4 m=51
